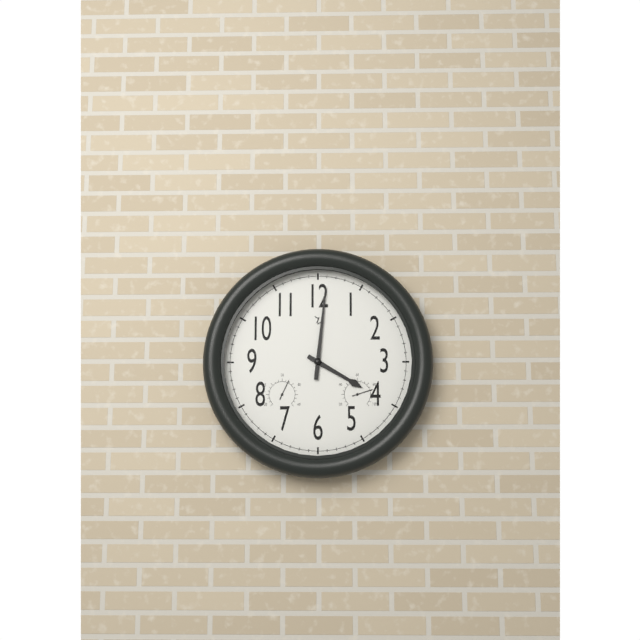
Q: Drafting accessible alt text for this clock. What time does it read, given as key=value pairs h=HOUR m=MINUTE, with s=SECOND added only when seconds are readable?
h=4 m=1
